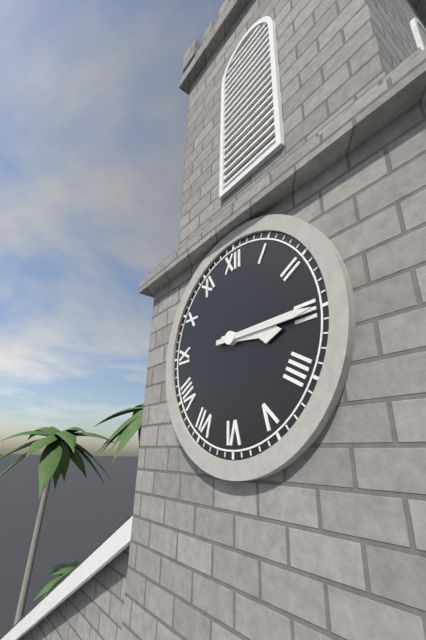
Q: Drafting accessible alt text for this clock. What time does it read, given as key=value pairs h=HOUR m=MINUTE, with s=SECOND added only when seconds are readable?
h=3 m=15
